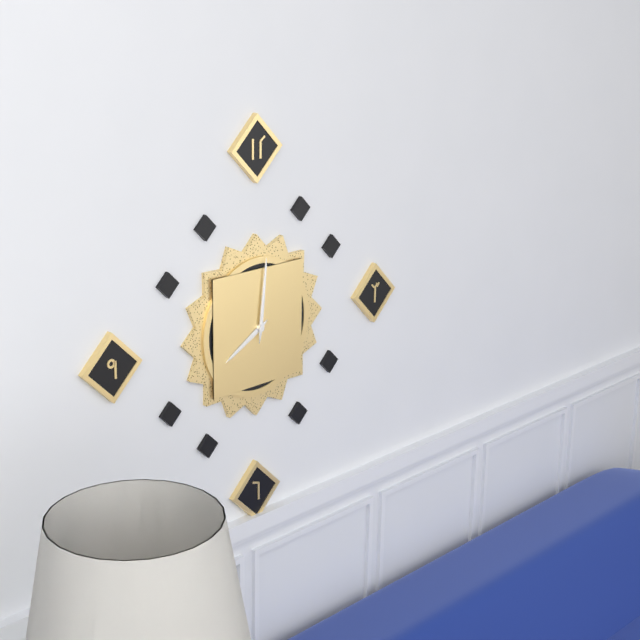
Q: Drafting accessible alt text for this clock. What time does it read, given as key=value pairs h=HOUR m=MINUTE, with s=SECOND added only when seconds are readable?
h=8 m=1
